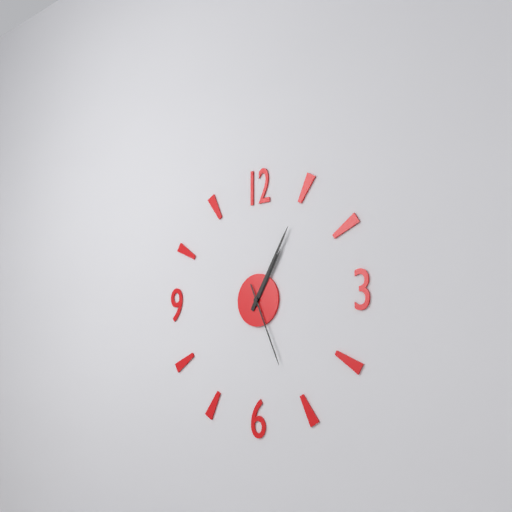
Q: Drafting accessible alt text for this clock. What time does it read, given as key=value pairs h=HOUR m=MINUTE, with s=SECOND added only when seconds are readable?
h=1 m=5 s=26
